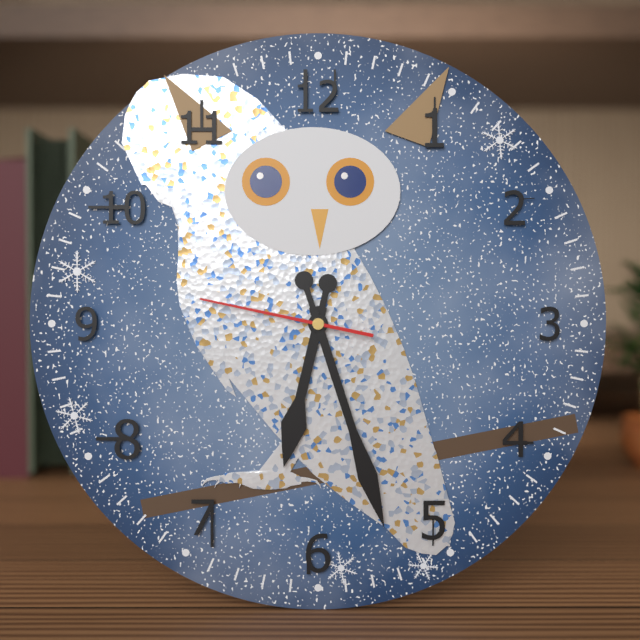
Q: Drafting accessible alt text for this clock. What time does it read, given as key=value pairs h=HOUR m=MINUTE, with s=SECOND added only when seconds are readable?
h=6 m=27 s=47
